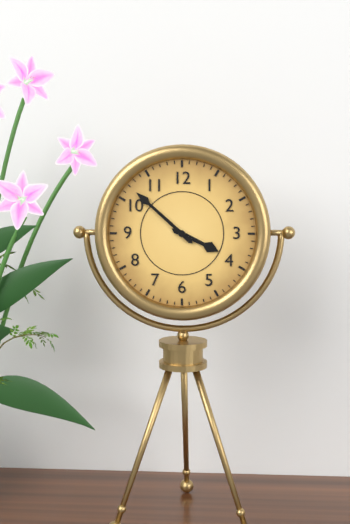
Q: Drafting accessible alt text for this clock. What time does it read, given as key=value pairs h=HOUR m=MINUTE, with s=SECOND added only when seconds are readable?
h=3 m=52
